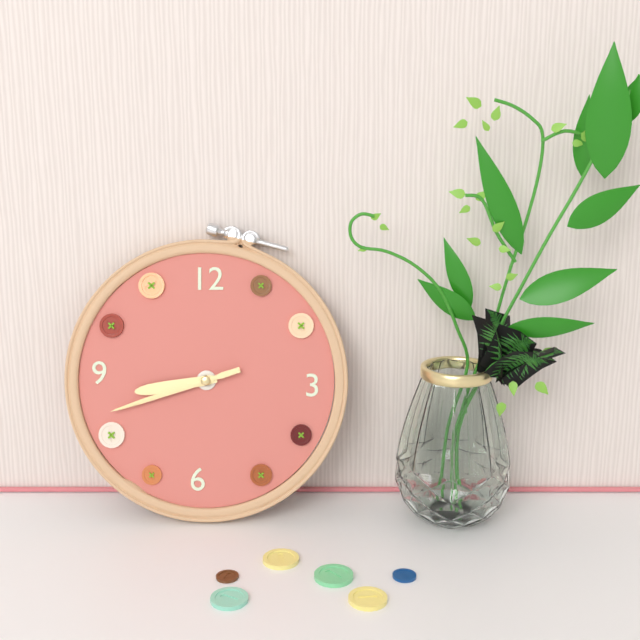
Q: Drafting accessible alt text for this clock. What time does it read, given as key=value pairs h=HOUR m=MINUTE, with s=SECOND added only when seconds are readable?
h=8 m=42 s=42
